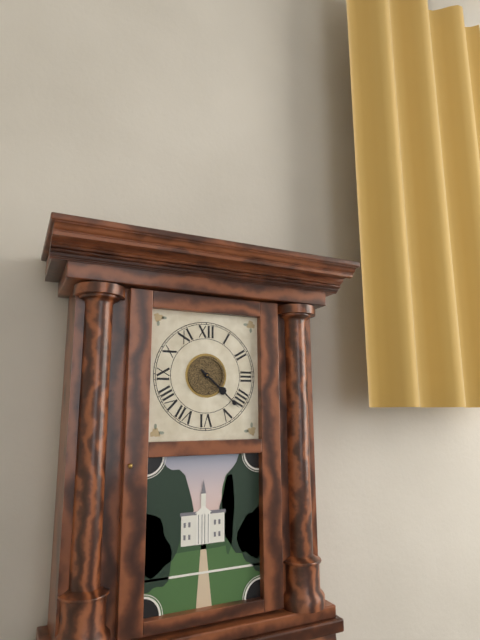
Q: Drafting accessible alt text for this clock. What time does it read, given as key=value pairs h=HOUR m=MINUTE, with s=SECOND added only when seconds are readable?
h=4 m=22
